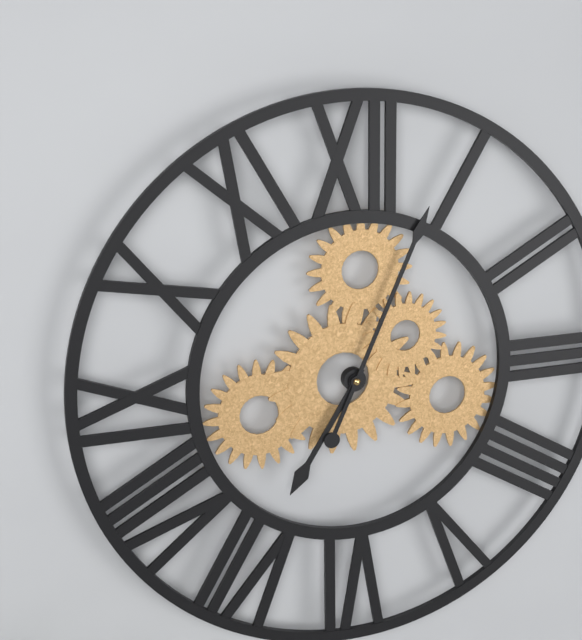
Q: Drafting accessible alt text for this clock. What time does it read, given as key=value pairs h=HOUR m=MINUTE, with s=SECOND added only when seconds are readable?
h=7 m=4
